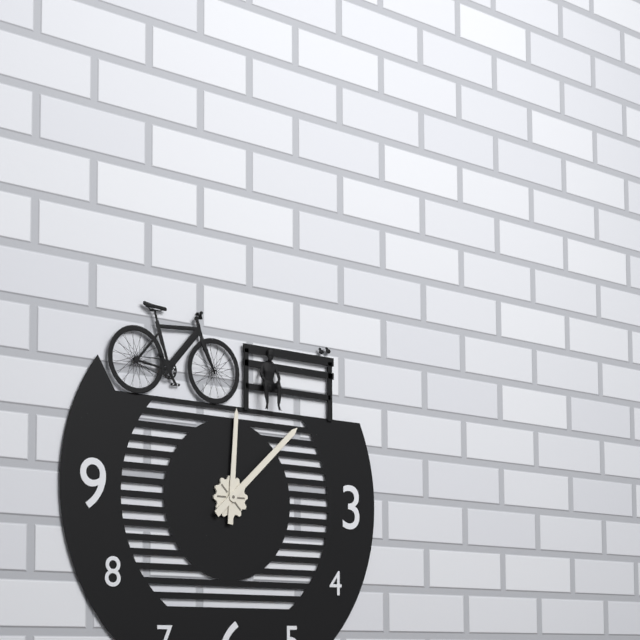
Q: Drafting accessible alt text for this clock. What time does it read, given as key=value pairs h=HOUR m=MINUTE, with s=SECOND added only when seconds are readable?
h=12 m=8
